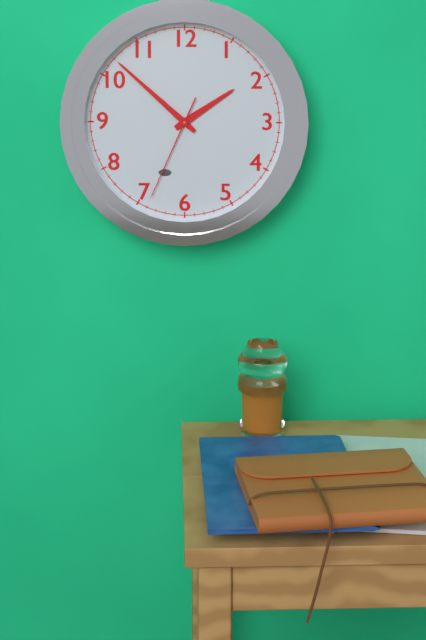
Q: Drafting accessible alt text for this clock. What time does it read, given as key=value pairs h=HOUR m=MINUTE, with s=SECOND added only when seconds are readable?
h=1 m=52 s=34
